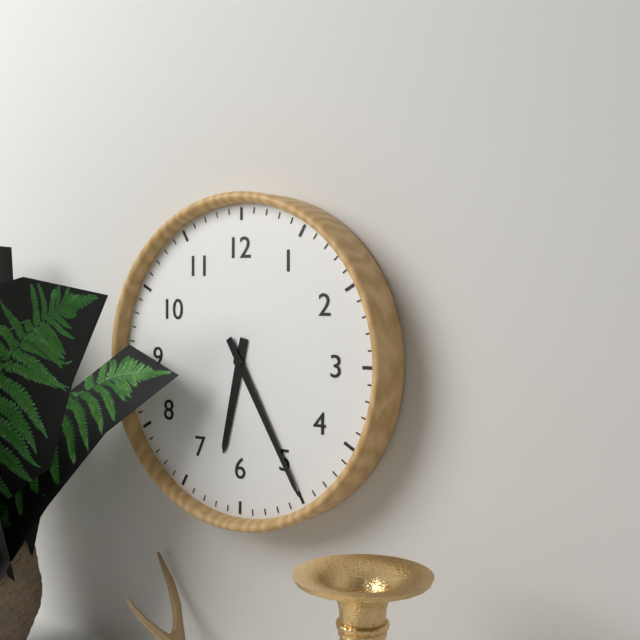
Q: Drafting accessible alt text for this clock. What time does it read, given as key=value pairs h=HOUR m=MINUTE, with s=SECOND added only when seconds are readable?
h=6 m=25
